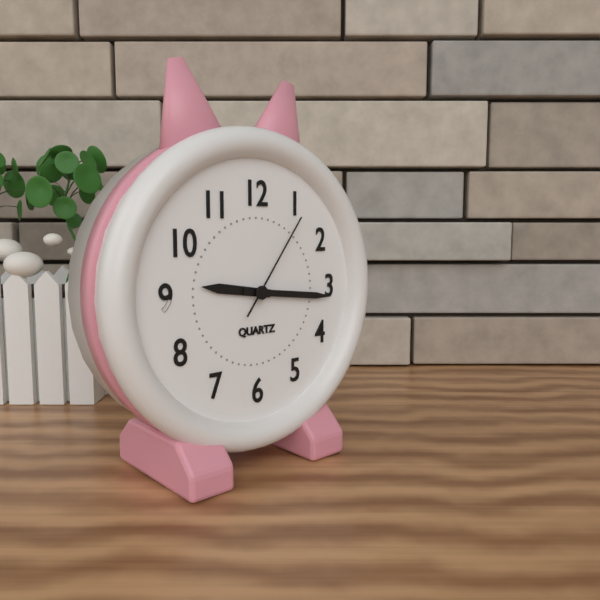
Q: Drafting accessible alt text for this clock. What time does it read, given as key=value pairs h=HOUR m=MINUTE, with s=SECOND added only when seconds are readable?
h=9 m=16 s=6
